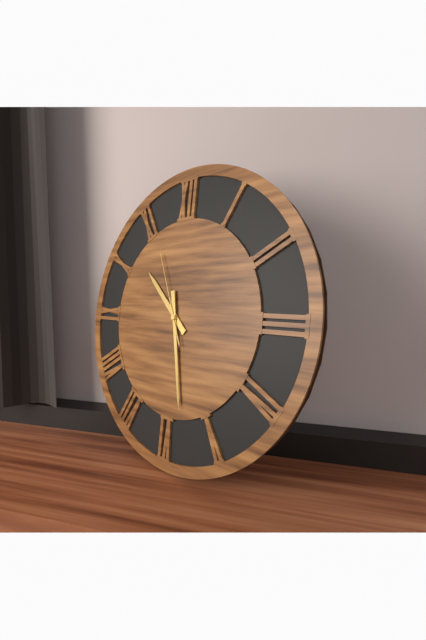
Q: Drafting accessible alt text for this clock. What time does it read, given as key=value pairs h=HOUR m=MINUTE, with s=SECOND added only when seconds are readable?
h=10 m=28 s=56
